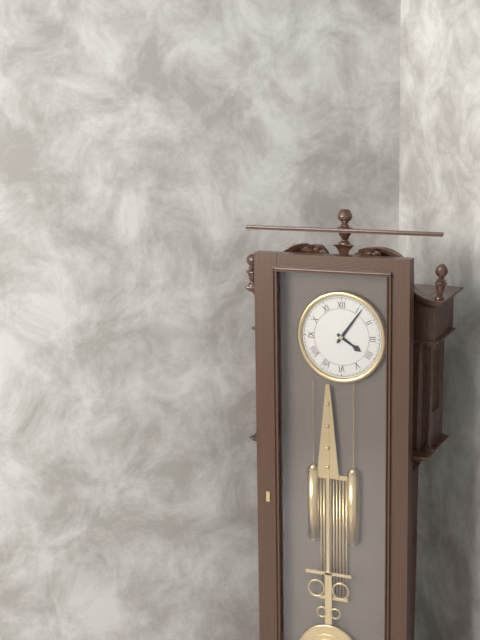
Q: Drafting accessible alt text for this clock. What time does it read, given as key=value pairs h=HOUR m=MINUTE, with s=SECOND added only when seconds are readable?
h=4 m=6
